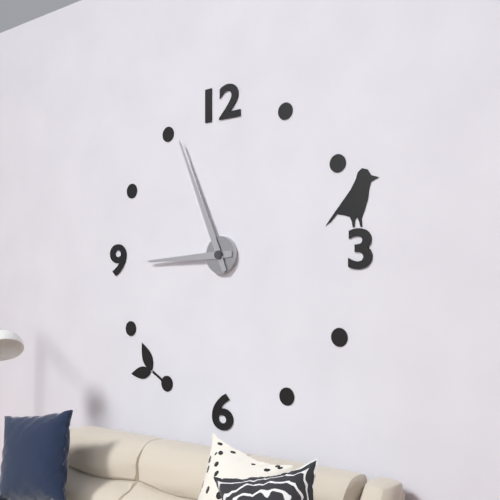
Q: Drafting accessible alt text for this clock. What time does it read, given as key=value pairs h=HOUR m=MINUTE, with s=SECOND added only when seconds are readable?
h=8 m=56
